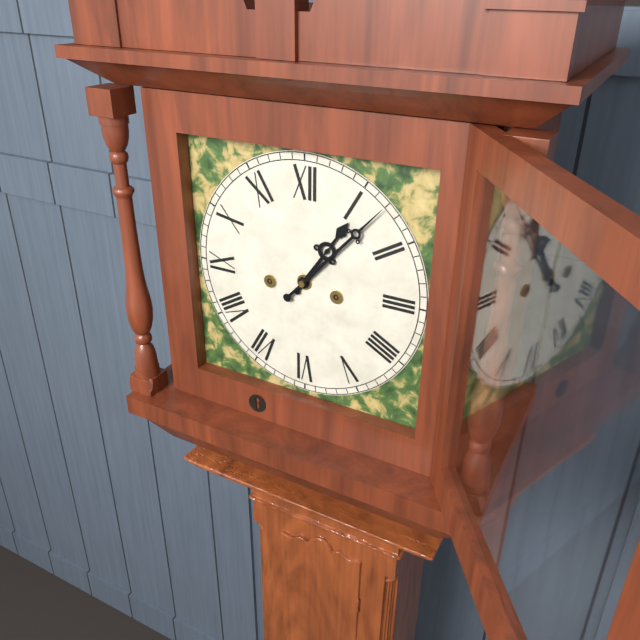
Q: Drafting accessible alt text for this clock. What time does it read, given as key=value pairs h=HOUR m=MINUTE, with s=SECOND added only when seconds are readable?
h=1 m=7
